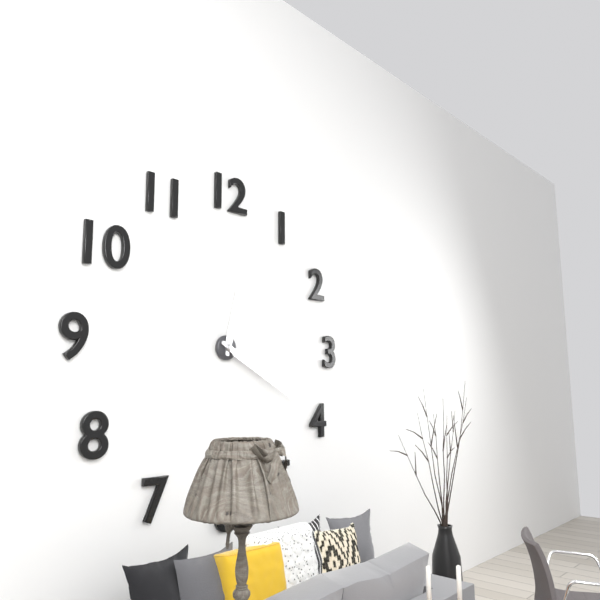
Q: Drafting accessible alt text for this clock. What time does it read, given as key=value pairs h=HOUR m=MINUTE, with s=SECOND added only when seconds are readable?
h=12 m=20
